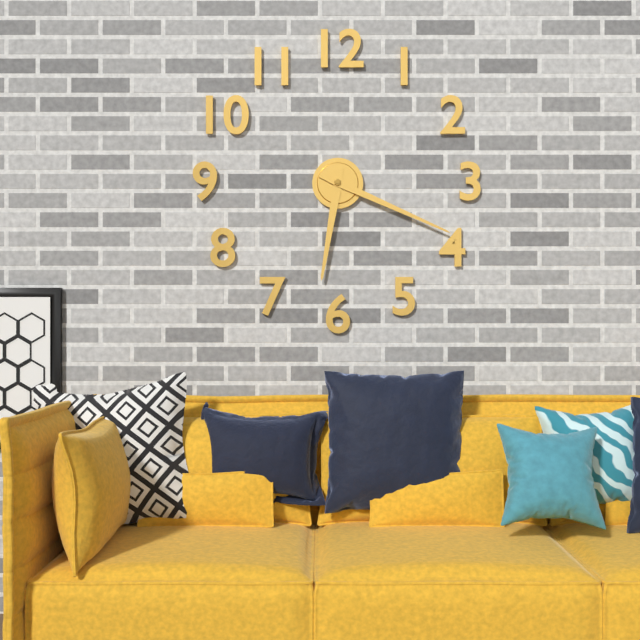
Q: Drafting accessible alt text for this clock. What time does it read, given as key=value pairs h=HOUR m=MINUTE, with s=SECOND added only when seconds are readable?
h=6 m=19
